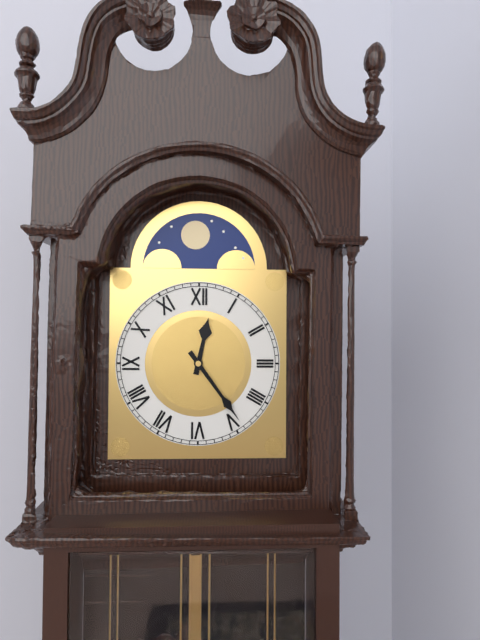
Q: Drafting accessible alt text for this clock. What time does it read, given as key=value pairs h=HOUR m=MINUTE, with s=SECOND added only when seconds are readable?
h=12 m=24
